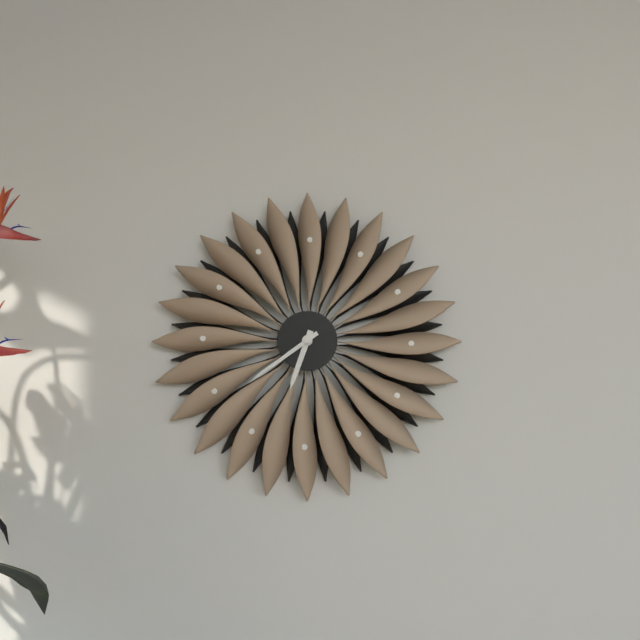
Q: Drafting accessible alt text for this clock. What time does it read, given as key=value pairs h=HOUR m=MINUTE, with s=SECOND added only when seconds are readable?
h=6 m=39
